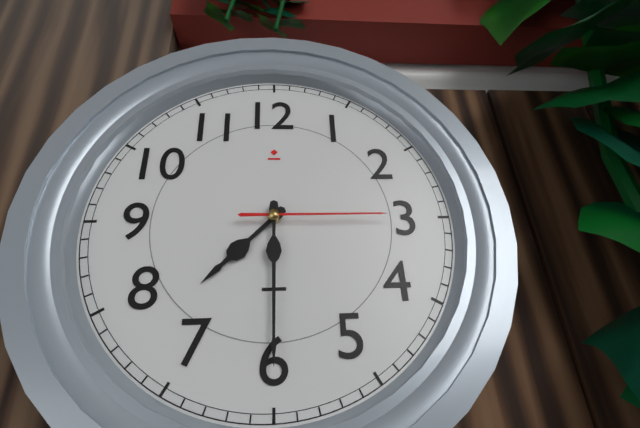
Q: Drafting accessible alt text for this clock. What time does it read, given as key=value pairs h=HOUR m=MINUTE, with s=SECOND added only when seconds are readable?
h=7 m=30 s=15
